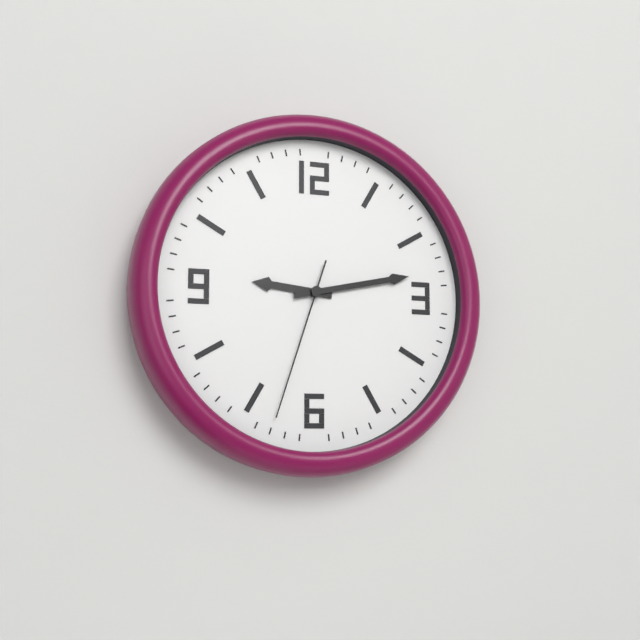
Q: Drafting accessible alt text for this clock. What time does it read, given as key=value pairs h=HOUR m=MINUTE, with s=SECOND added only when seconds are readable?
h=9 m=13 s=33
